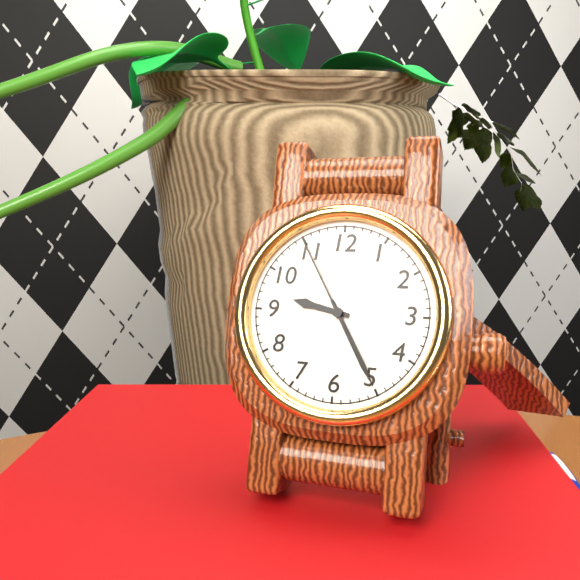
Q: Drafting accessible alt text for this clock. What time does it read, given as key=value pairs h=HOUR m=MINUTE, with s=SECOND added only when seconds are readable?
h=9 m=25 s=55
